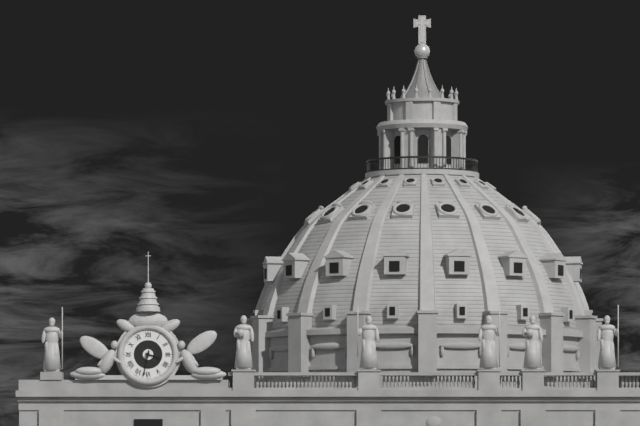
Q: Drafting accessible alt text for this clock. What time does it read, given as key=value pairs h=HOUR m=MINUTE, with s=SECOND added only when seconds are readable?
h=3 m=32
